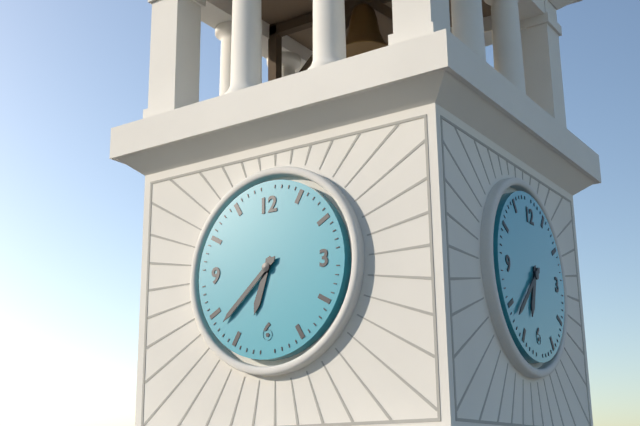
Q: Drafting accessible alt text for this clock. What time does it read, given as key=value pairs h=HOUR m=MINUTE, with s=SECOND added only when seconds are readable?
h=6 m=38
